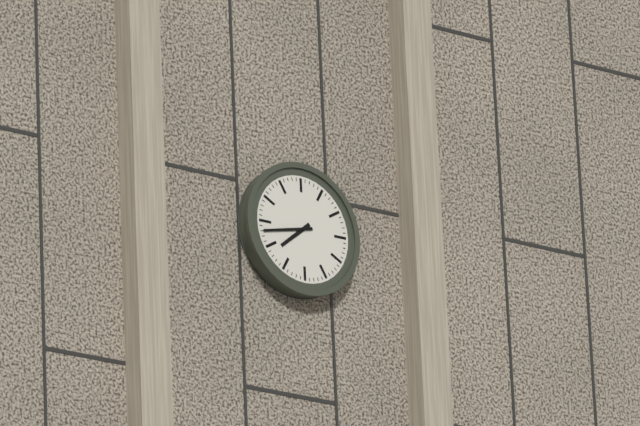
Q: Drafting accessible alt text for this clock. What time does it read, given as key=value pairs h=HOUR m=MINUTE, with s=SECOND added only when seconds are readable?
h=7 m=43
